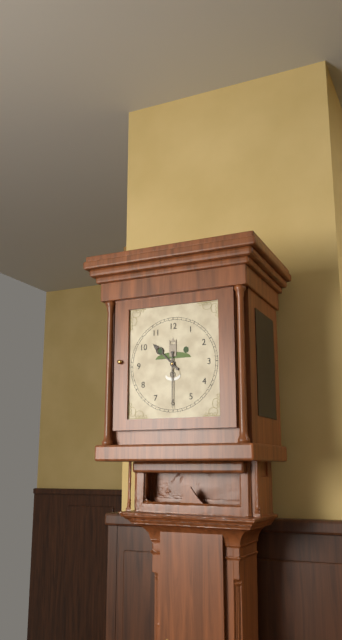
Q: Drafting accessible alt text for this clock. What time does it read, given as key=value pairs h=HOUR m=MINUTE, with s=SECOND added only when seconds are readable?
h=10 m=30
